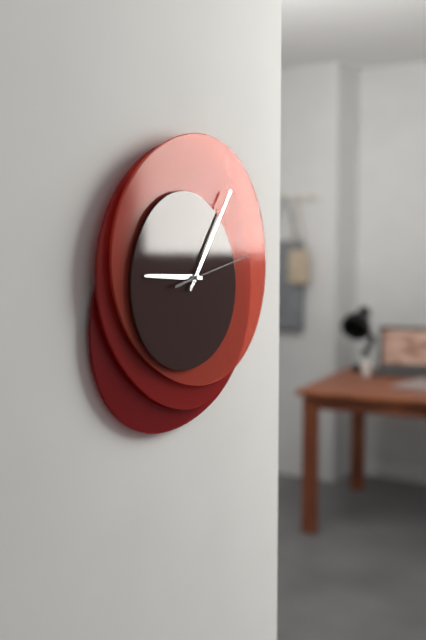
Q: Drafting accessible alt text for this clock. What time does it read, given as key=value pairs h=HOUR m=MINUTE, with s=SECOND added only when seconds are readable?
h=9 m=6 s=13
